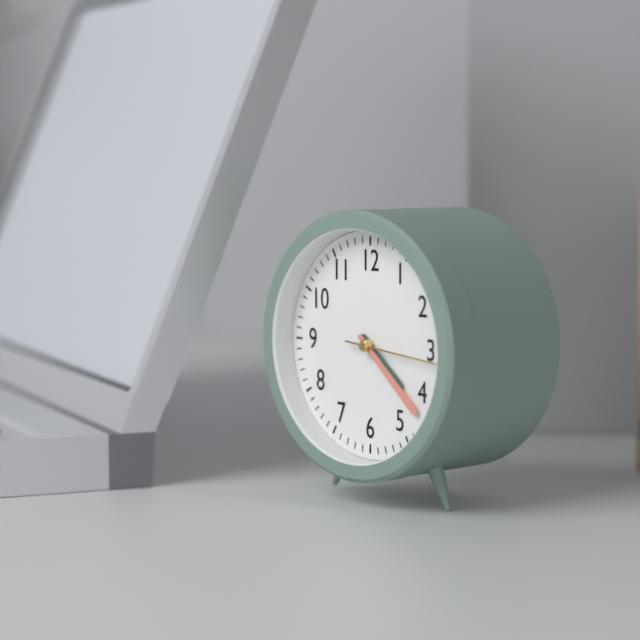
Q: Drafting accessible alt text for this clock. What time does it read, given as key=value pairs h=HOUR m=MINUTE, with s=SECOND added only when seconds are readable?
h=4 m=22 s=16
